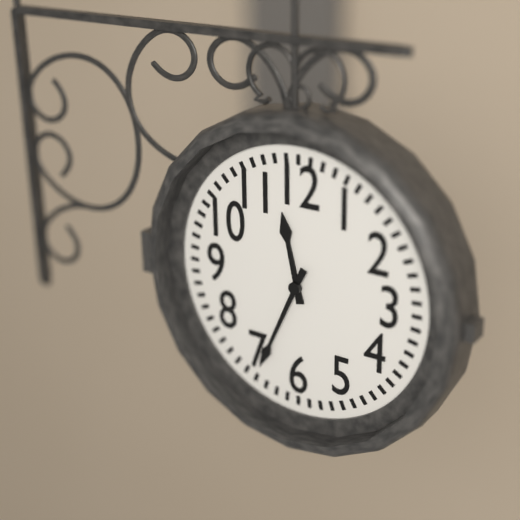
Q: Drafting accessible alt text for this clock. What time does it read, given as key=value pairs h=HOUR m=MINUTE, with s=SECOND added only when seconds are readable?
h=11 m=34
